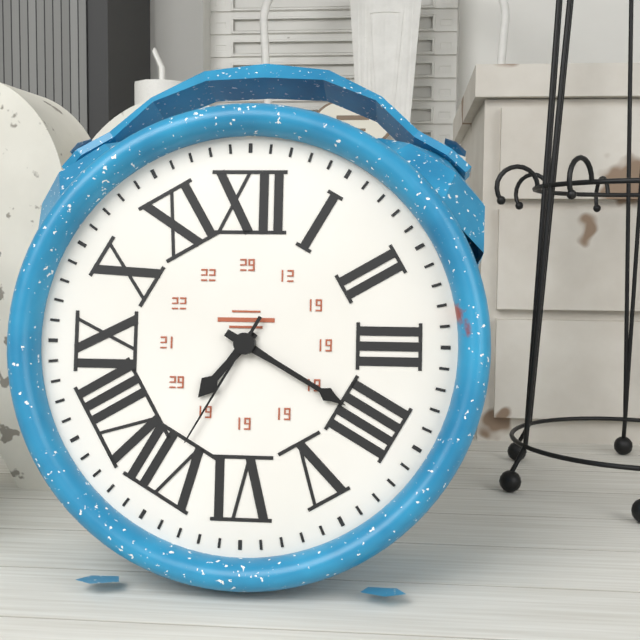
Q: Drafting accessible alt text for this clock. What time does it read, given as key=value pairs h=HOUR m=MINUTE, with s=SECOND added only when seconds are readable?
h=7 m=20 s=35
